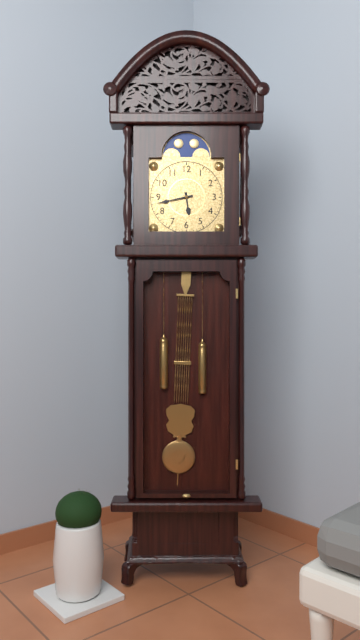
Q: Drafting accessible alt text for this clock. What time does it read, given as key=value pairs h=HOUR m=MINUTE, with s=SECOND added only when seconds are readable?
h=5 m=43
